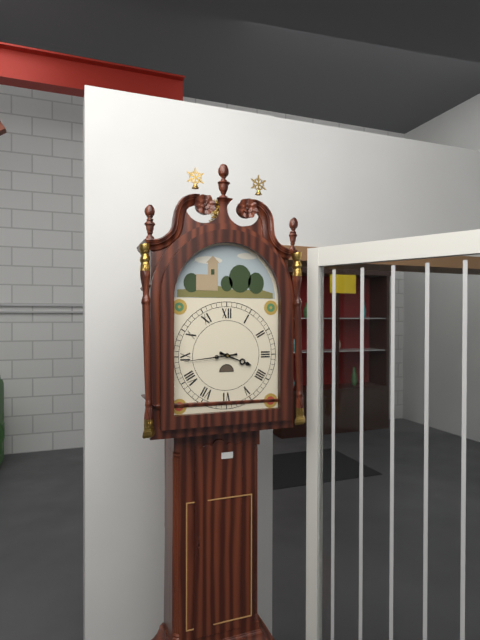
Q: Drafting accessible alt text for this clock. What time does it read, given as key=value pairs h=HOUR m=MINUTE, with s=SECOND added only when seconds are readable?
h=3 m=44
